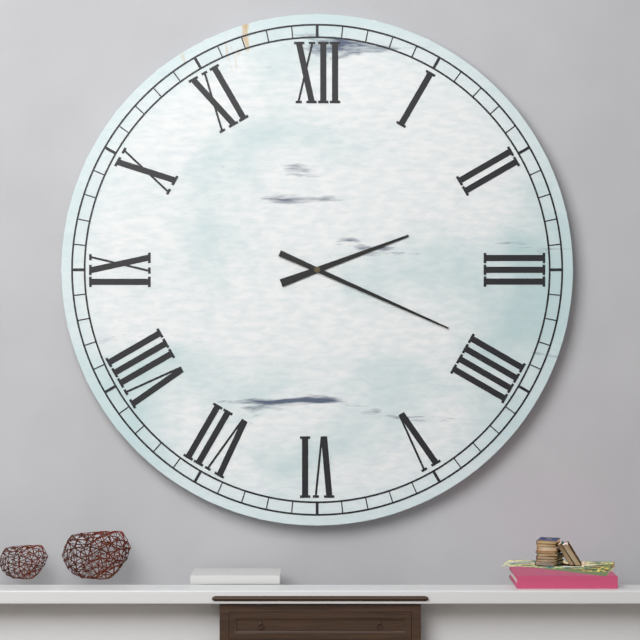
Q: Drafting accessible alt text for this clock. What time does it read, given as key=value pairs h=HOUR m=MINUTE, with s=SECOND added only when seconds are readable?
h=2 m=19
